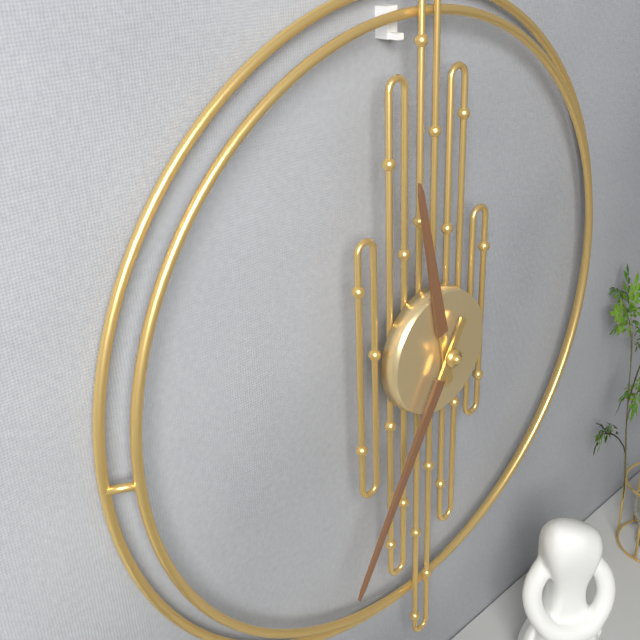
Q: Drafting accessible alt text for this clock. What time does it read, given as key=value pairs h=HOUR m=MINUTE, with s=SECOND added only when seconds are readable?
h=11 m=35
